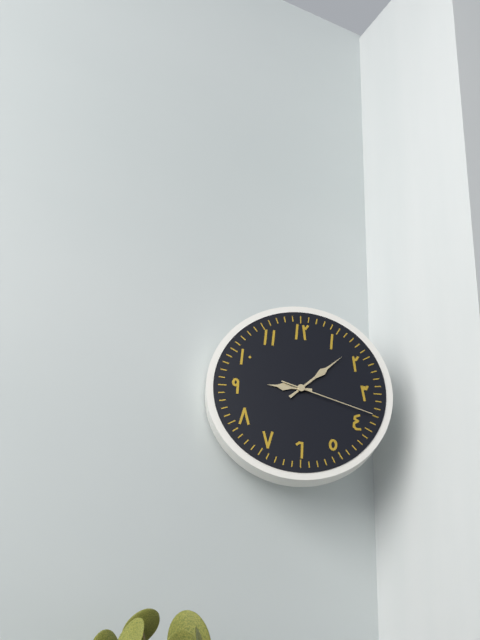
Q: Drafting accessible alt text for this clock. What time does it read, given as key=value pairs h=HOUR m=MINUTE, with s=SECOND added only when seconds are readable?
h=9 m=8 s=18
